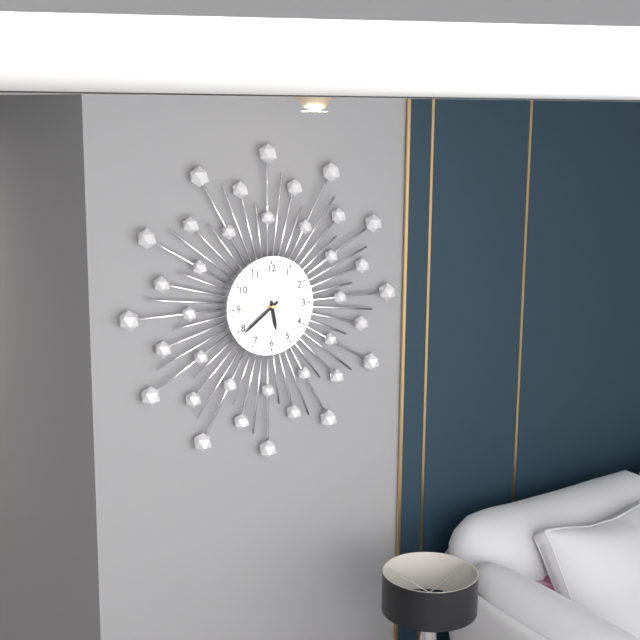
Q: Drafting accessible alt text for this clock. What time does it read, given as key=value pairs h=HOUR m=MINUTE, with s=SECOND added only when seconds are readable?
h=5 m=39
